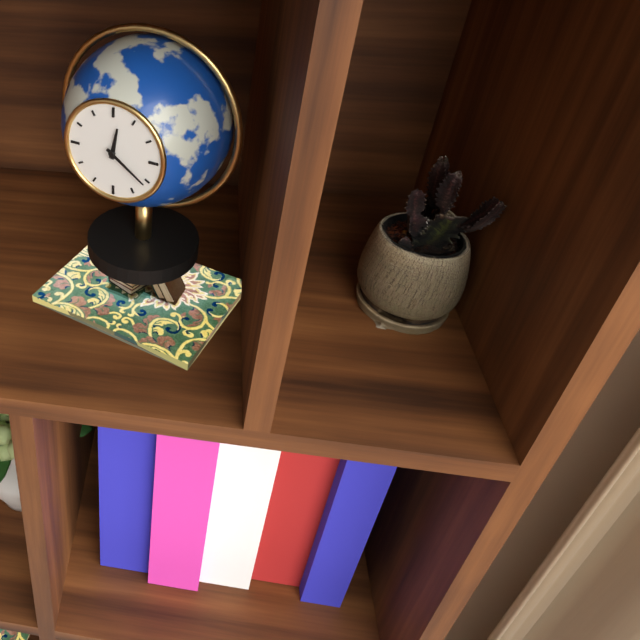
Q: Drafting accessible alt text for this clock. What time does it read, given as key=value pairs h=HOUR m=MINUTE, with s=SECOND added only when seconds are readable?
h=12 m=21
